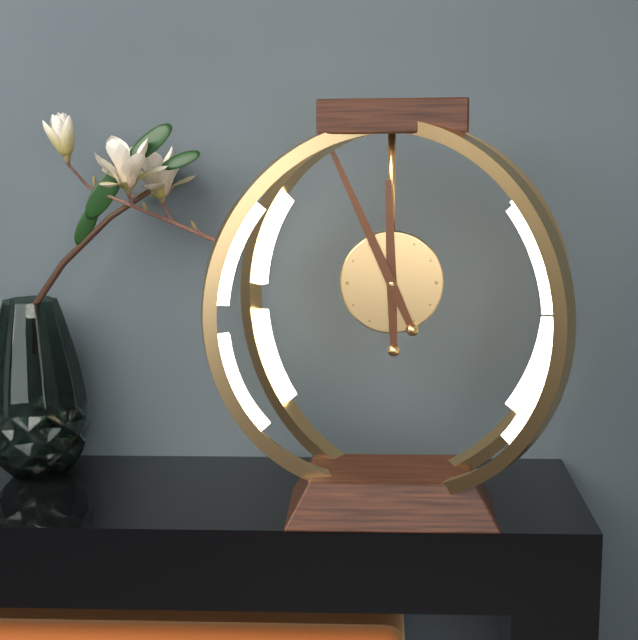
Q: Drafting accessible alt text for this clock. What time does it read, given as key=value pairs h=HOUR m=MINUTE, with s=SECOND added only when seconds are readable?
h=11 m=56
